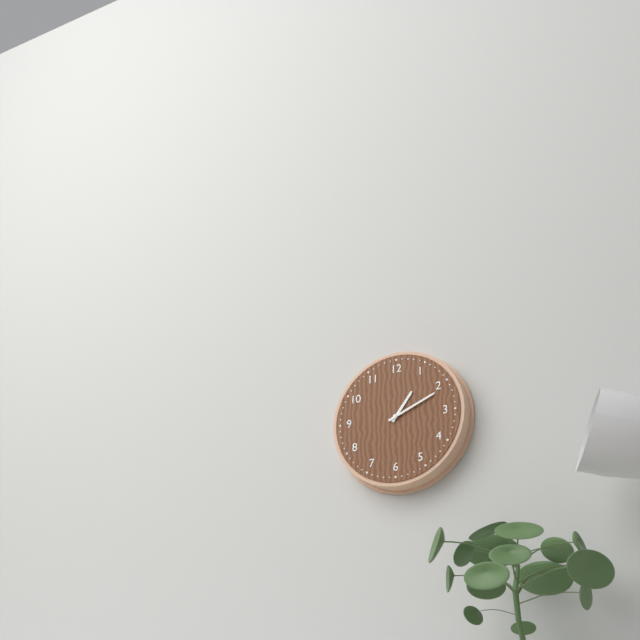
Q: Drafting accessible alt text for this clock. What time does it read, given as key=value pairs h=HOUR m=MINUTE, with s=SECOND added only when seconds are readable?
h=1 m=11
